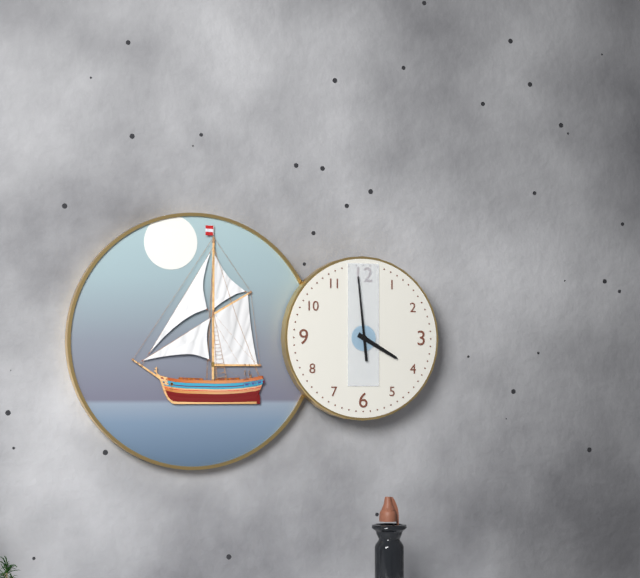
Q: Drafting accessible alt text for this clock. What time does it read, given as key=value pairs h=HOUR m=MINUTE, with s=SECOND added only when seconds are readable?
h=3 m=59
